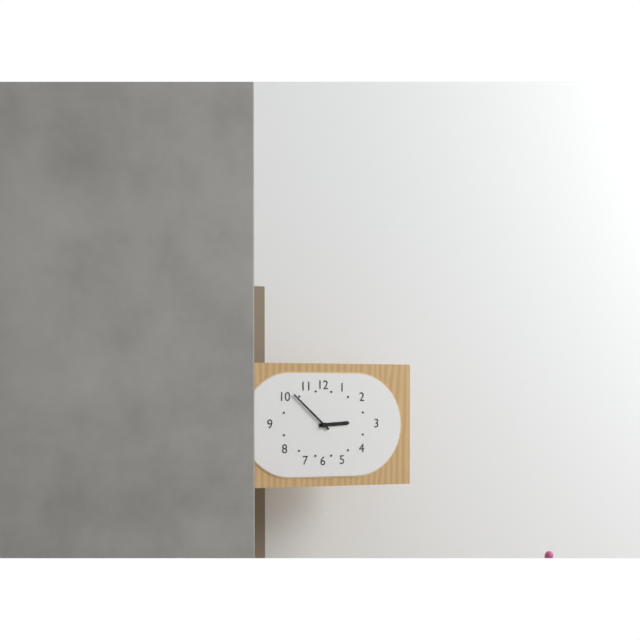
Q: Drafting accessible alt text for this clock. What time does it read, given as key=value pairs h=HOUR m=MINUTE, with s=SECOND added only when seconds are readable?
h=2 m=52
